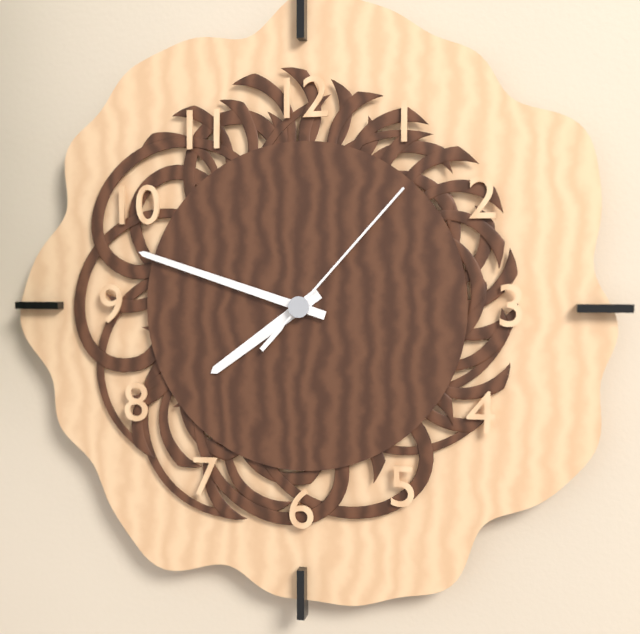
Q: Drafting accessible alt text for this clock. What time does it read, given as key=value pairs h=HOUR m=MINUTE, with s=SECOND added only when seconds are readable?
h=7 m=48 s=7
